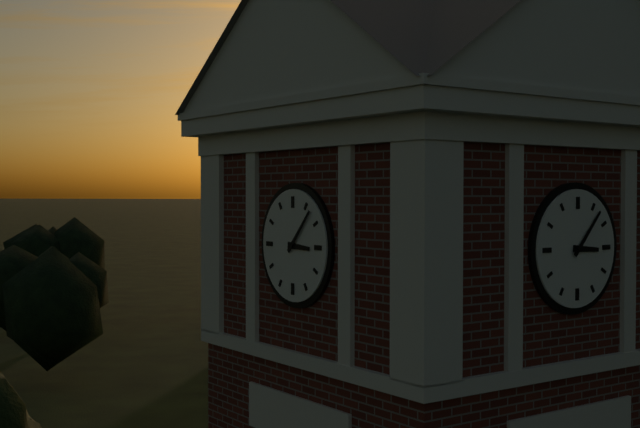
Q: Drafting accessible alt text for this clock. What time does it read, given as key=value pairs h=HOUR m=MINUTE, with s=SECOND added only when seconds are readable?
h=3 m=7
